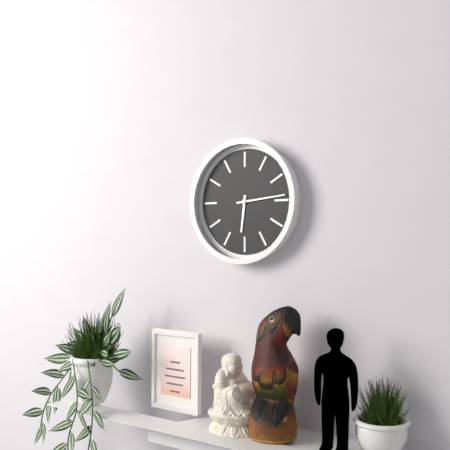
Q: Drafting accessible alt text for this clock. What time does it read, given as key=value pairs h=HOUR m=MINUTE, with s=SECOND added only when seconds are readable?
h=6 m=14
